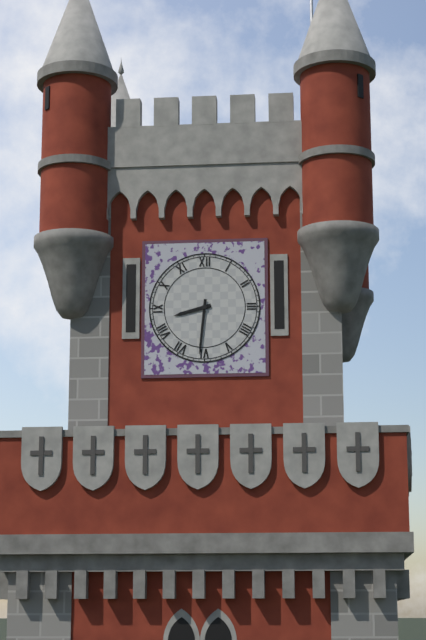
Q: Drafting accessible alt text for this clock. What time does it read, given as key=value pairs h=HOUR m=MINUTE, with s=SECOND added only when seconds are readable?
h=8 m=31
